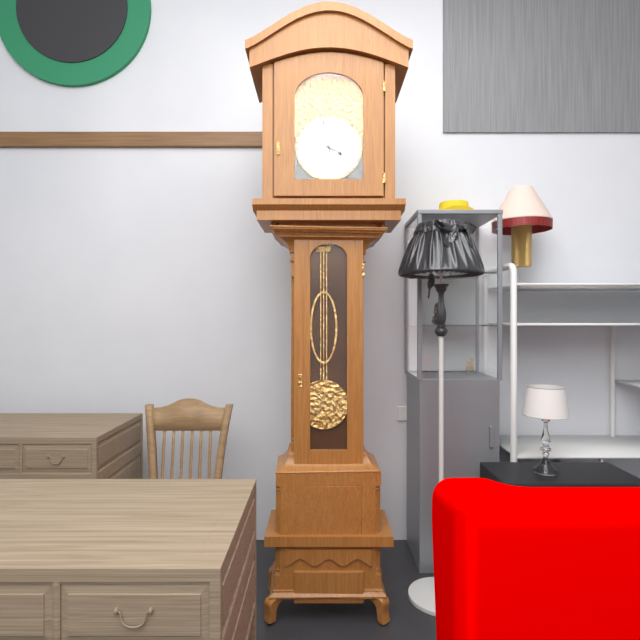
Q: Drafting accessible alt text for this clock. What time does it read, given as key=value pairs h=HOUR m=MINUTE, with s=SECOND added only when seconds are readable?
h=3 m=58
